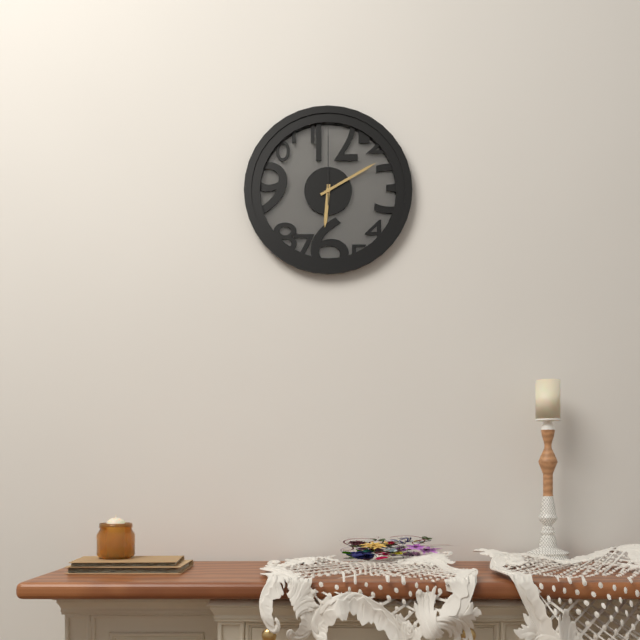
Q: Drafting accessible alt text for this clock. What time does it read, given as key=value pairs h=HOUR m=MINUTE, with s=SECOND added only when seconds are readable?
h=6 m=10 s=0
